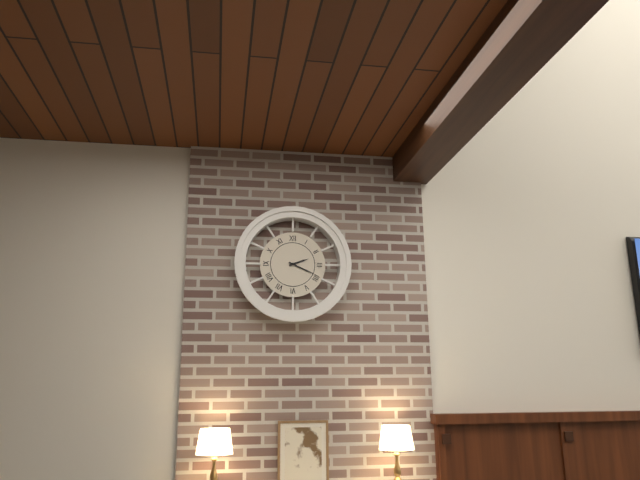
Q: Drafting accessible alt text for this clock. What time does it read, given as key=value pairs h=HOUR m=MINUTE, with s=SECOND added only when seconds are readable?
h=2 m=19
